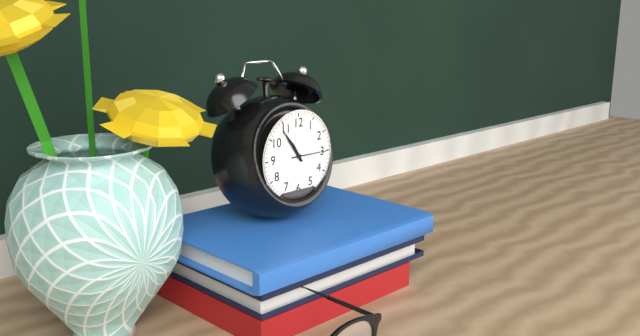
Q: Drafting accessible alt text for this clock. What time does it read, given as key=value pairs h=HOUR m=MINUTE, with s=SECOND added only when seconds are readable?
h=10 m=54
